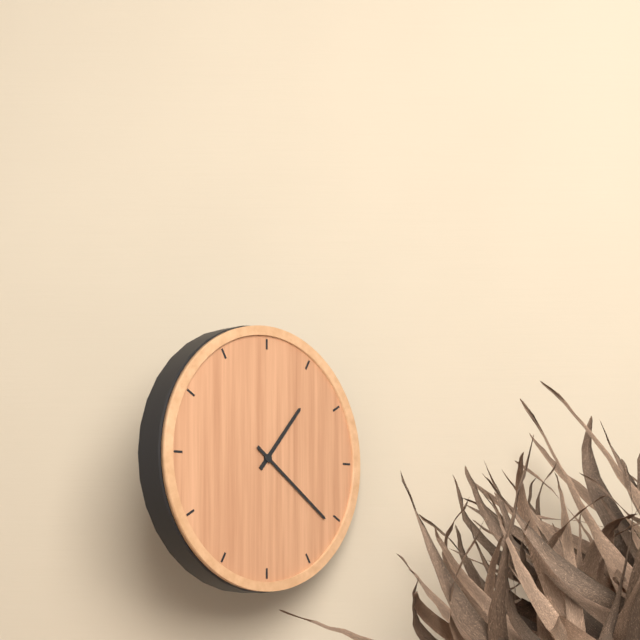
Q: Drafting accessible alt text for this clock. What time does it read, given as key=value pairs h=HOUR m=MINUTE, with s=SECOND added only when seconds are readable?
h=1 m=21
